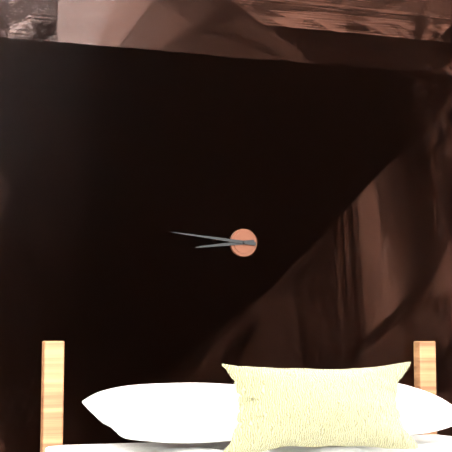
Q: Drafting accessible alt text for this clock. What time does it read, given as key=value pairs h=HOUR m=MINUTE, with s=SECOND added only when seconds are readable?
h=8 m=46
